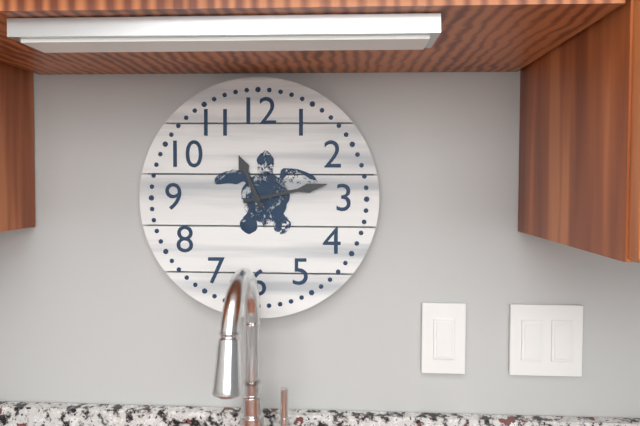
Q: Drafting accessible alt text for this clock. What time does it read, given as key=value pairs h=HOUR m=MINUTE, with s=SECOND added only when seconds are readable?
h=11 m=13
